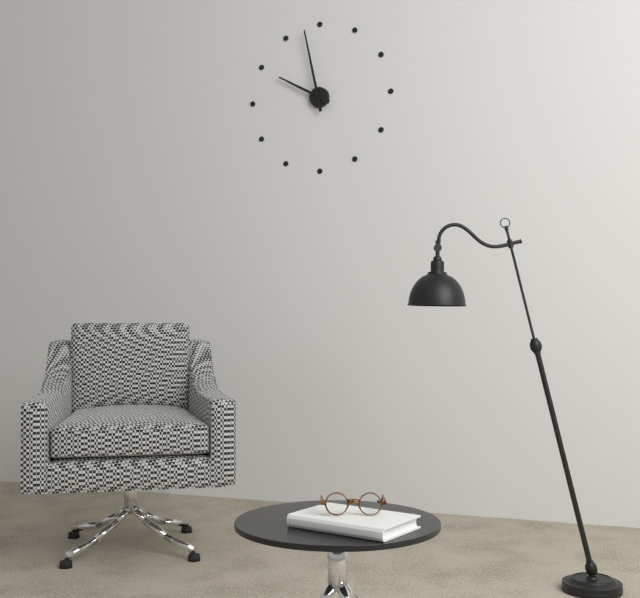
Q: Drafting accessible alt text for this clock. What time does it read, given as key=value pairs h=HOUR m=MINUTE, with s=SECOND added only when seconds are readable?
h=9 m=58
